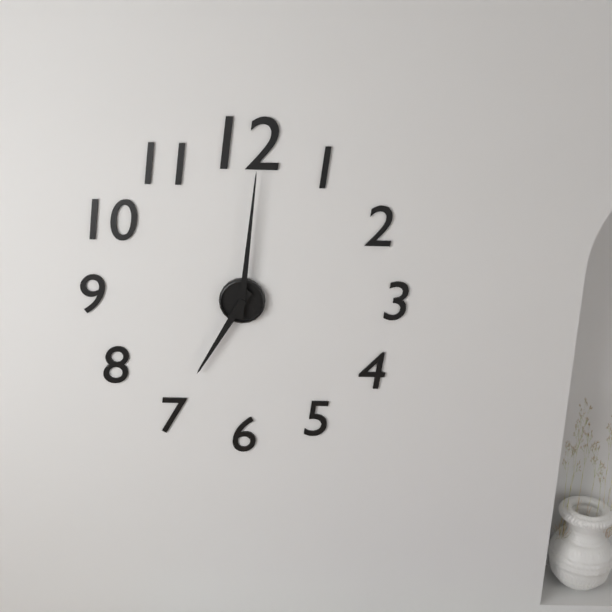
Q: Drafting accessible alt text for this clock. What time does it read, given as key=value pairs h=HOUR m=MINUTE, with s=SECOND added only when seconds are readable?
h=7 m=1
